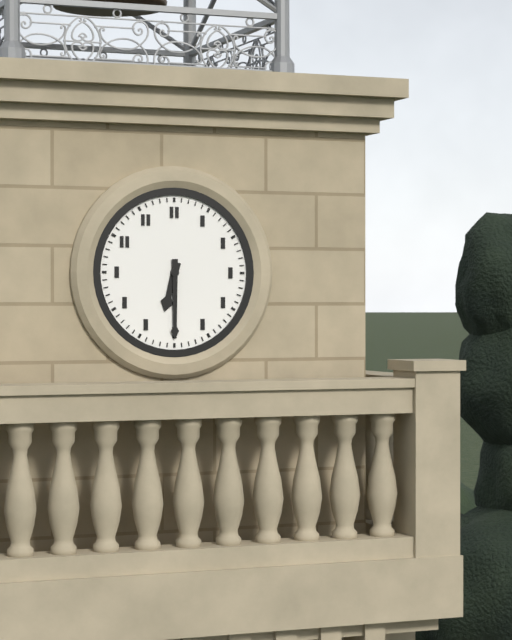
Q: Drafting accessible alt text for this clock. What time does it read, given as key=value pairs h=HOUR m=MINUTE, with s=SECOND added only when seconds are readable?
h=6 m=30
